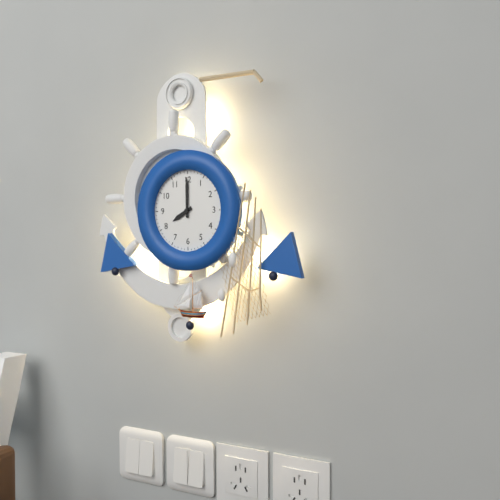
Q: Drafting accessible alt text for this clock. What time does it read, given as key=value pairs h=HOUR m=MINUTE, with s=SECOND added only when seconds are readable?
h=8 m=0
